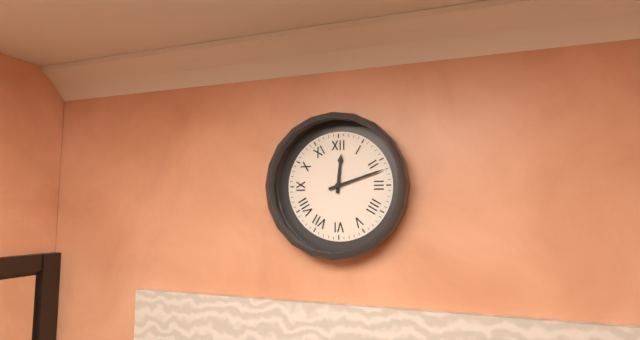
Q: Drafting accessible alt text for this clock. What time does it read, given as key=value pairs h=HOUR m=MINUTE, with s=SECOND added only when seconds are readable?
h=12 m=12
